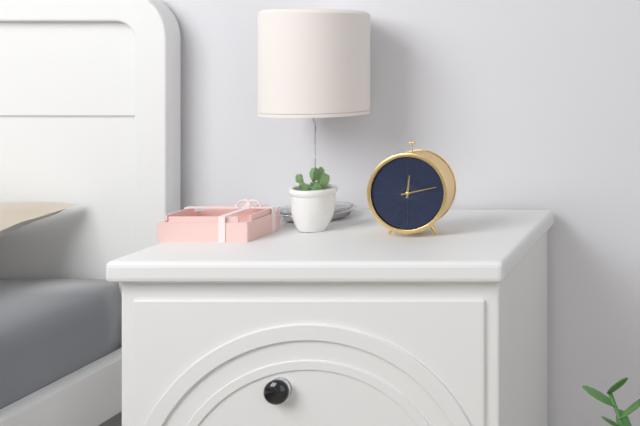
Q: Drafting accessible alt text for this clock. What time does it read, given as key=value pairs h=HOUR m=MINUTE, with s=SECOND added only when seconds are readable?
h=12 m=13
